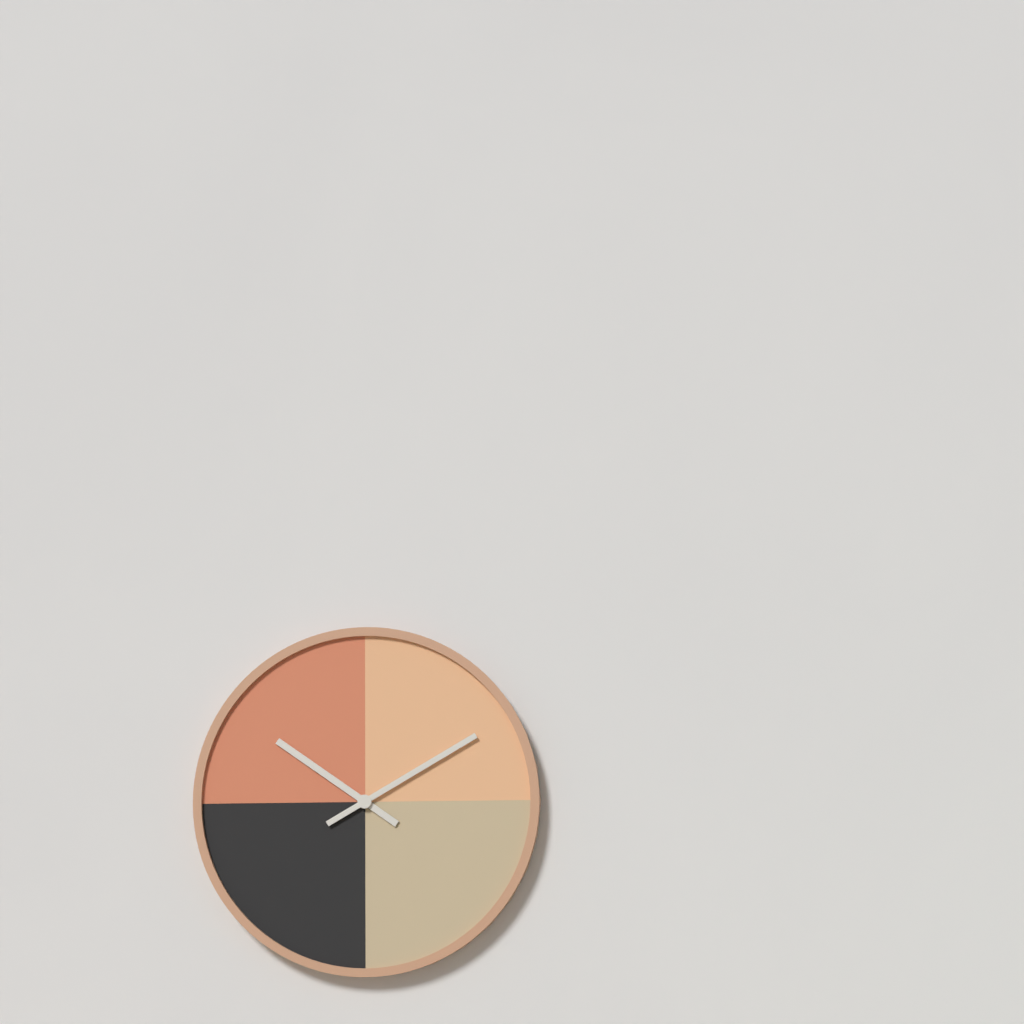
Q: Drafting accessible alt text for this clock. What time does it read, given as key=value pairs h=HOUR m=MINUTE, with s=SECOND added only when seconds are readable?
h=10 m=10
